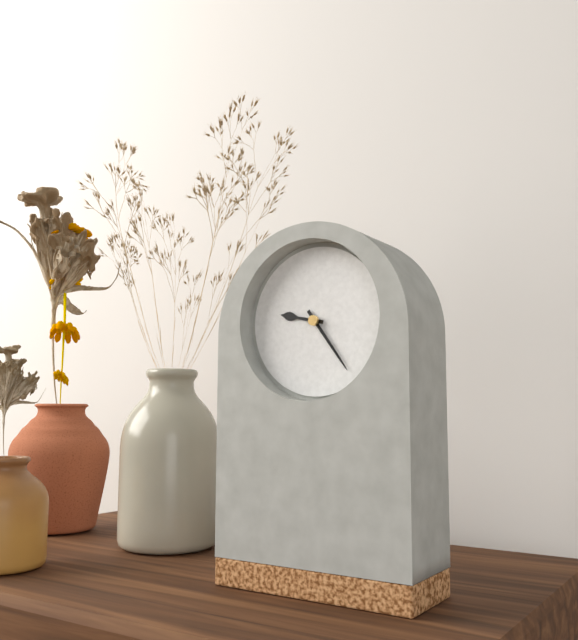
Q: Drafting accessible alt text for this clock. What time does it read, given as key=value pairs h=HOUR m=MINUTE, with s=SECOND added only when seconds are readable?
h=9 m=24
